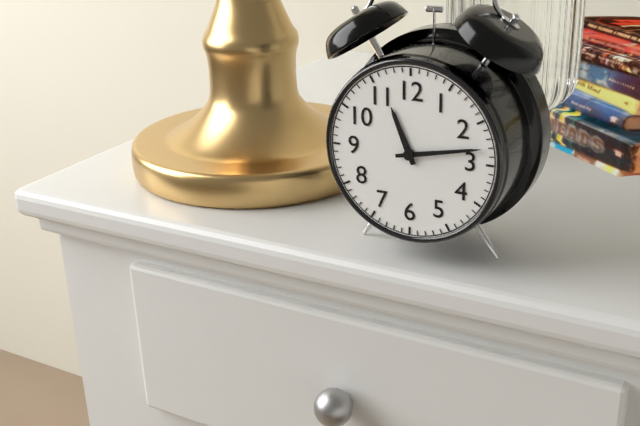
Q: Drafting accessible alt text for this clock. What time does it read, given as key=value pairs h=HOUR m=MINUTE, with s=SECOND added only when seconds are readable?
h=11 m=13
